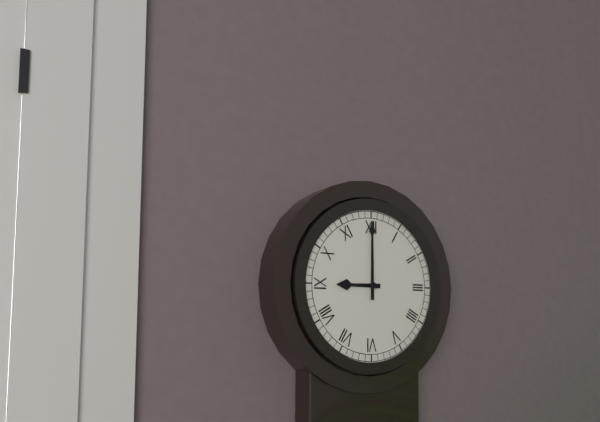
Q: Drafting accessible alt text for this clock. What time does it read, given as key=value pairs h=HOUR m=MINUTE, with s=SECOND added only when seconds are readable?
h=9 m=0
